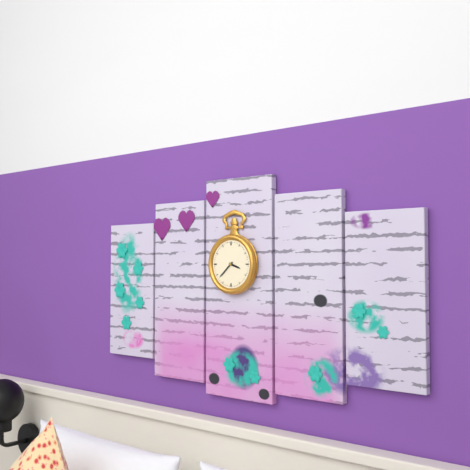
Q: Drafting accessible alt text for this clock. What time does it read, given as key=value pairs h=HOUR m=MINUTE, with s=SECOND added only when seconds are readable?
h=3 m=38
